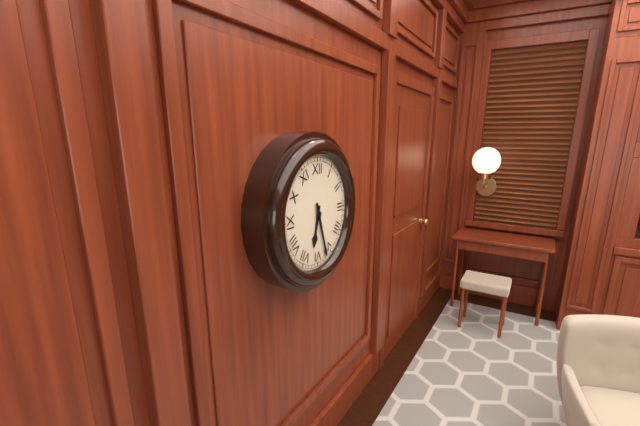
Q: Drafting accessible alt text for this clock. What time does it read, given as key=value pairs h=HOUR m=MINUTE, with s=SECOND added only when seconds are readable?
h=6 m=27
